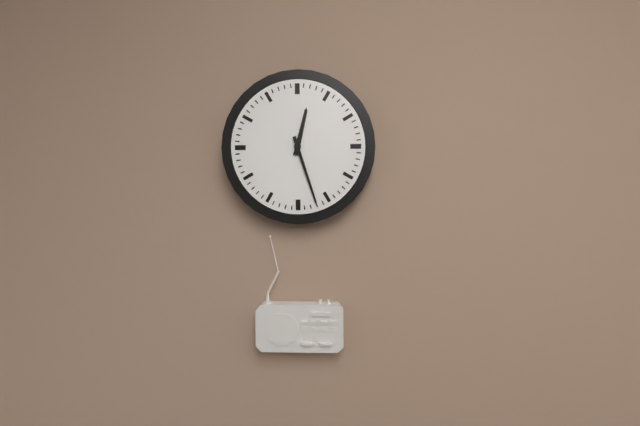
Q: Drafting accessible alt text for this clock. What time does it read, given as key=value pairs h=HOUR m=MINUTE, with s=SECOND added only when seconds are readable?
h=12 m=27
